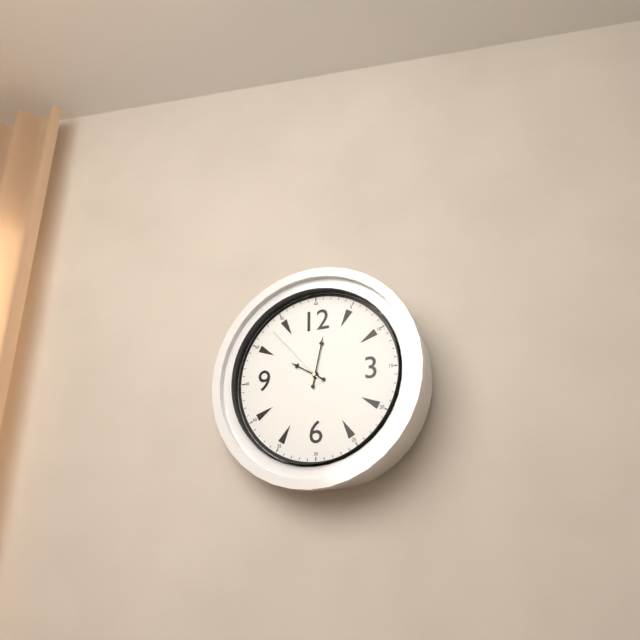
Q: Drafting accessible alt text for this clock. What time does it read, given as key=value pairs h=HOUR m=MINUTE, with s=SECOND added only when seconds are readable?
h=10 m=2 s=53
